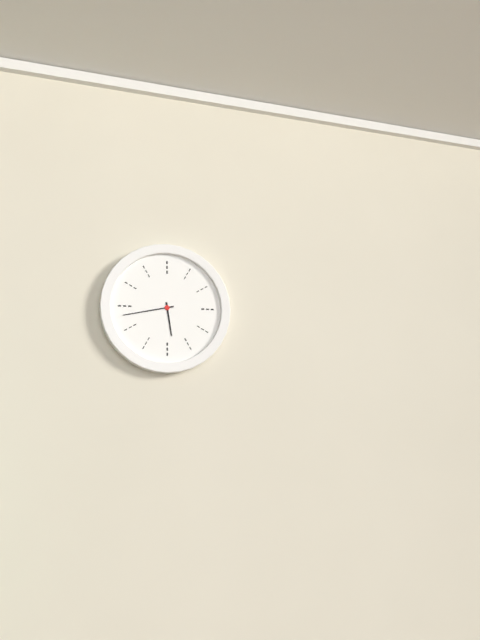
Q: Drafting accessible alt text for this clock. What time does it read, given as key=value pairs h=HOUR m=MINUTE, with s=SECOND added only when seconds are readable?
h=5 m=43
